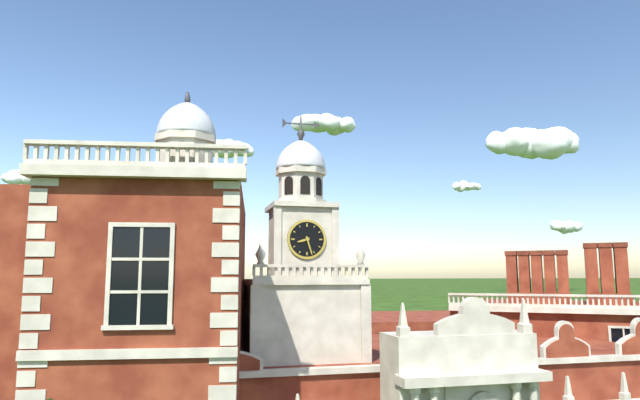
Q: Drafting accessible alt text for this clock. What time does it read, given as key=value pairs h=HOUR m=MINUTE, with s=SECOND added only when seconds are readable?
h=8 m=27
